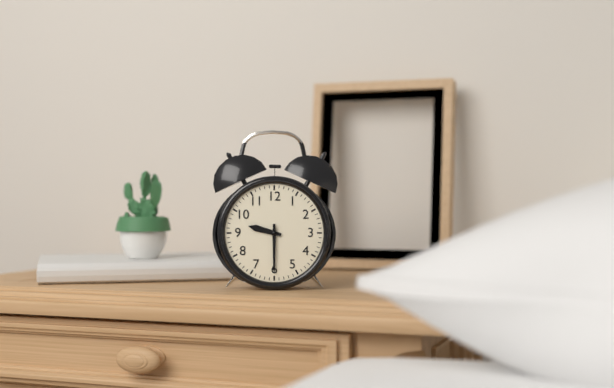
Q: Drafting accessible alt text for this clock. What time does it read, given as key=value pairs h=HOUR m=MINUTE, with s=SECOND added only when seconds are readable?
h=9 m=30
